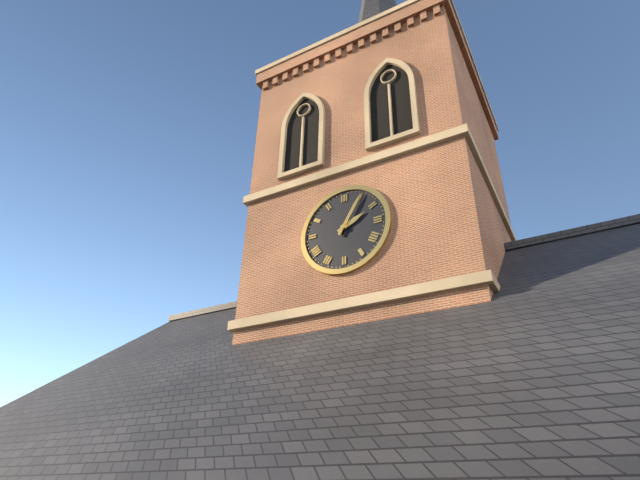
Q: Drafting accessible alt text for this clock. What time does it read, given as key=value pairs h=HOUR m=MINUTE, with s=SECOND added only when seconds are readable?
h=2 m=5
